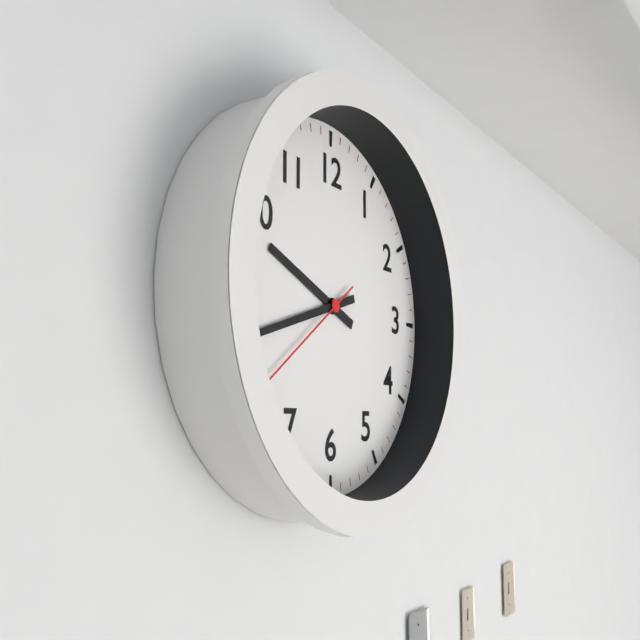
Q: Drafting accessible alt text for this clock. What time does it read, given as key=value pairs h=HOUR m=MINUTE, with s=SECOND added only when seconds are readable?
h=9 m=42 s=39
